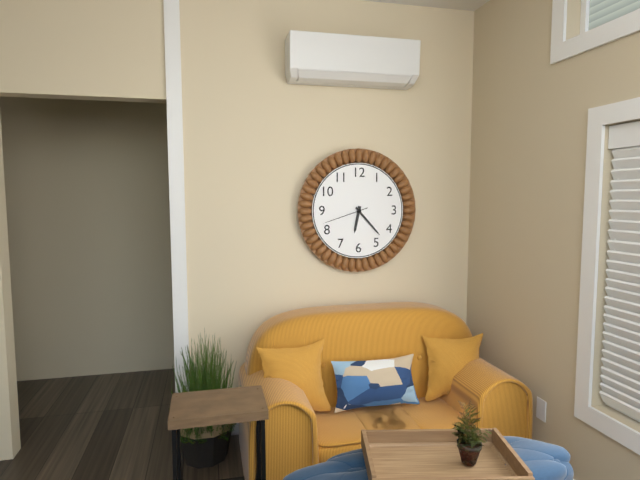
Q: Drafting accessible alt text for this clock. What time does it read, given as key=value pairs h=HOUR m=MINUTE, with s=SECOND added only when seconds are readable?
h=6 m=23
